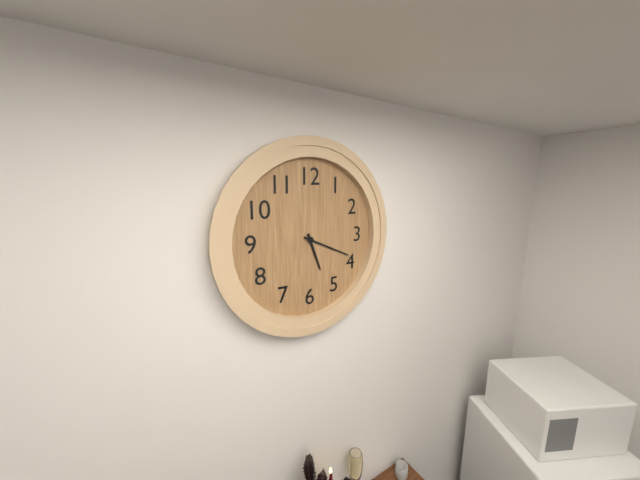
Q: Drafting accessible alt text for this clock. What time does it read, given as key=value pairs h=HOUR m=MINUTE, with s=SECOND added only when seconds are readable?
h=5 m=19
